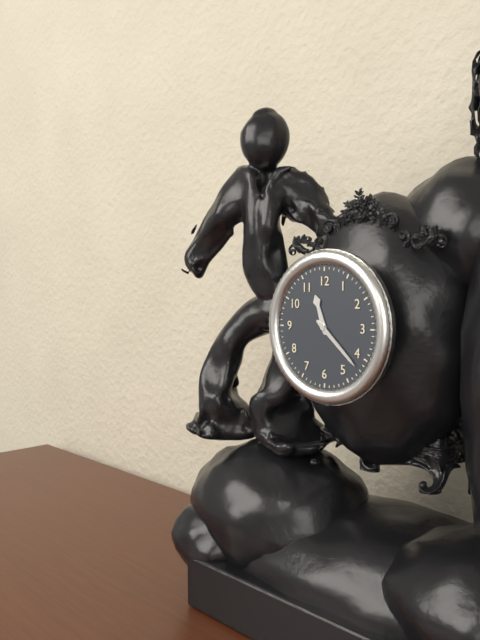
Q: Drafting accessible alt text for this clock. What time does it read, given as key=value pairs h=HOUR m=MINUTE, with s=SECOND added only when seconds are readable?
h=11 m=22
